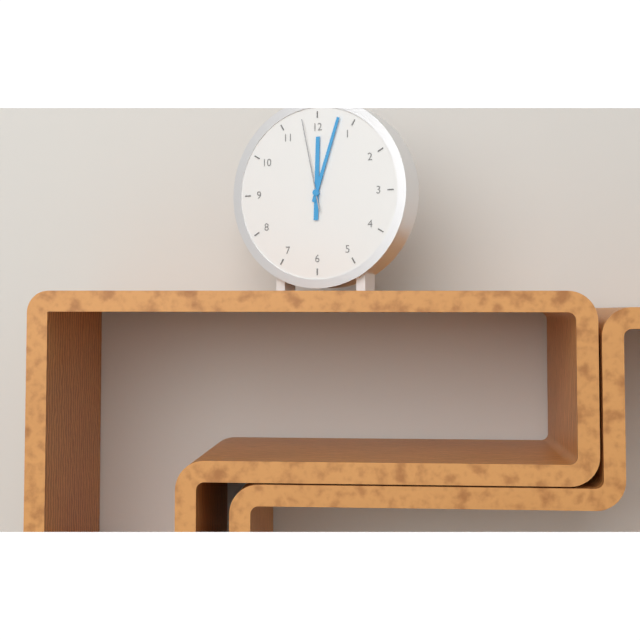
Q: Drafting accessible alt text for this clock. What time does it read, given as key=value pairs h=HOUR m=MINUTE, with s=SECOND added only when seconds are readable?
h=12 m=3 s=58
